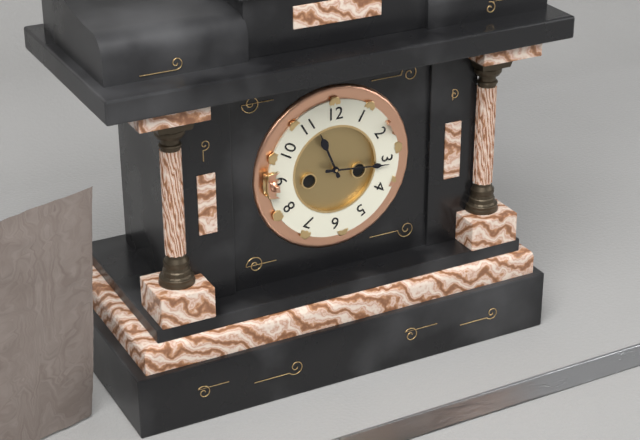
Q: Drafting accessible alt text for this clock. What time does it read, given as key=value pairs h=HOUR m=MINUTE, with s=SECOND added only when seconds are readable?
h=11 m=16
